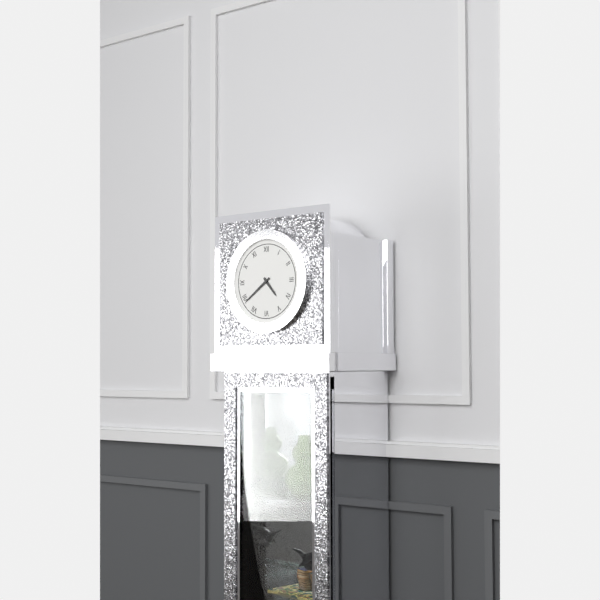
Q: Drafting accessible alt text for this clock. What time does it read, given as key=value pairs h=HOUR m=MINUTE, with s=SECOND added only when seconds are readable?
h=4 m=39
